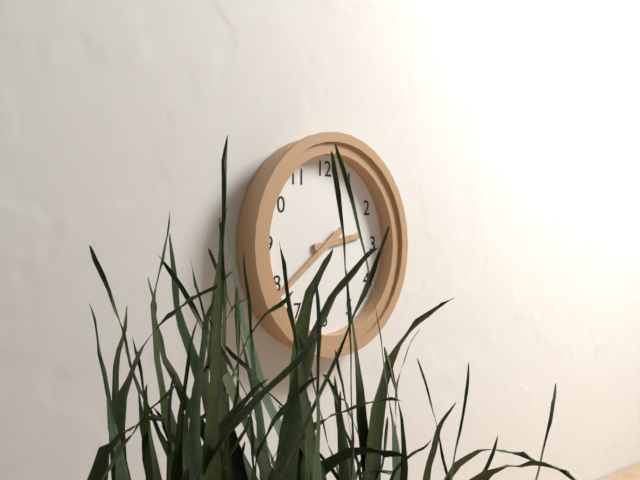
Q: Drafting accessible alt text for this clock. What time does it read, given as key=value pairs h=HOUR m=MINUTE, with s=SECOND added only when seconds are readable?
h=2 m=39
